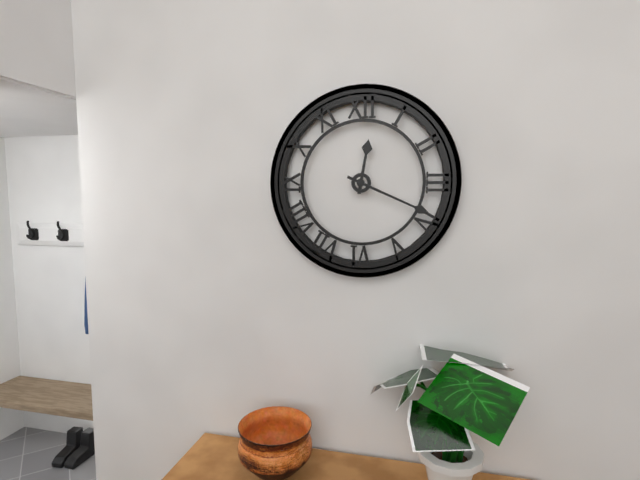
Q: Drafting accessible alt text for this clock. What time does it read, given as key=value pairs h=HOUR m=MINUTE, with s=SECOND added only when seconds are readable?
h=12 m=19
